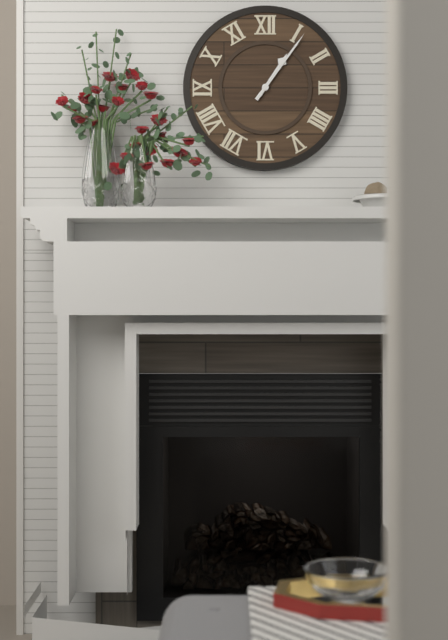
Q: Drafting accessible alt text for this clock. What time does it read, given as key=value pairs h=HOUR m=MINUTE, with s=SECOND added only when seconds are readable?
h=1 m=6
